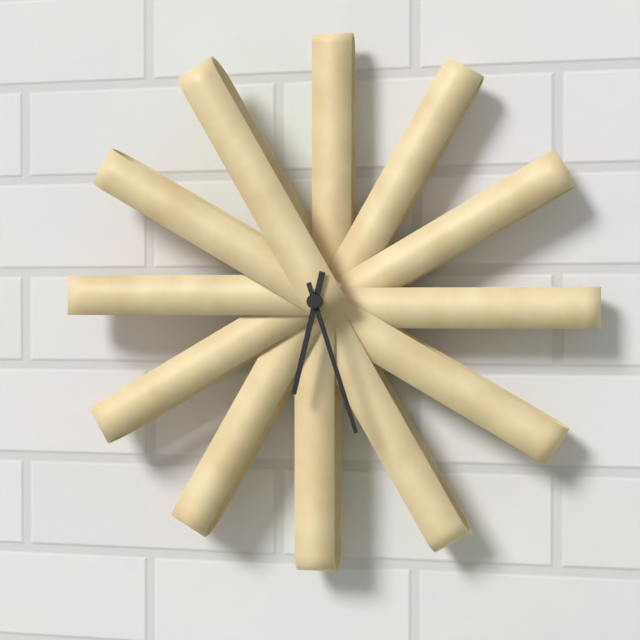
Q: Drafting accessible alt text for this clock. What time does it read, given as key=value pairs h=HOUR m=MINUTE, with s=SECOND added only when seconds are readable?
h=6 m=27
